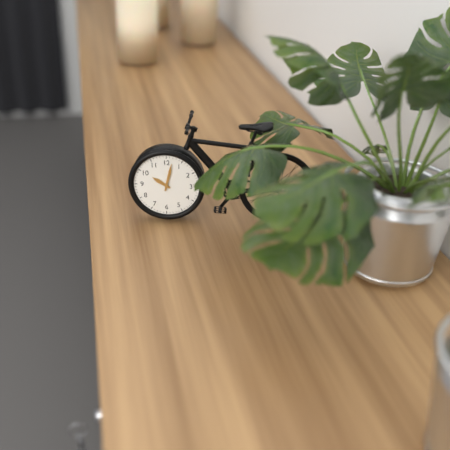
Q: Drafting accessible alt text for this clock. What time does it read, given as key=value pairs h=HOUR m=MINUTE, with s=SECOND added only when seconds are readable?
h=10 m=2
